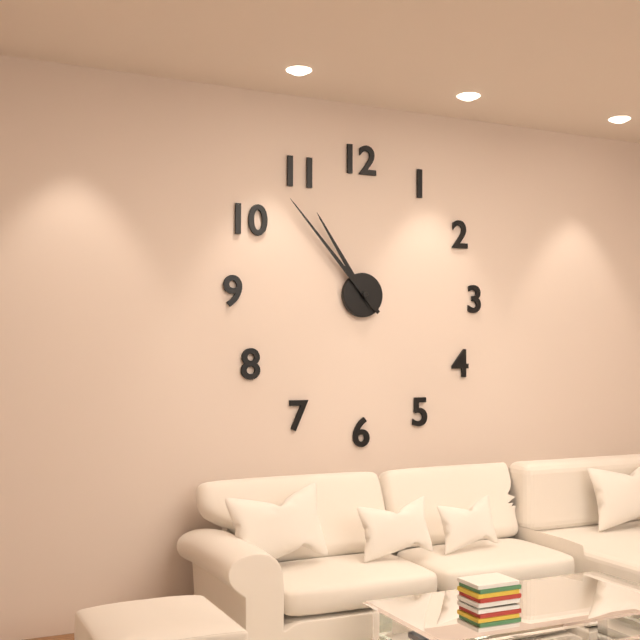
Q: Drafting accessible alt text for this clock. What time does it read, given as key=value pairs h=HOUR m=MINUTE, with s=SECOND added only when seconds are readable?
h=10 m=53
